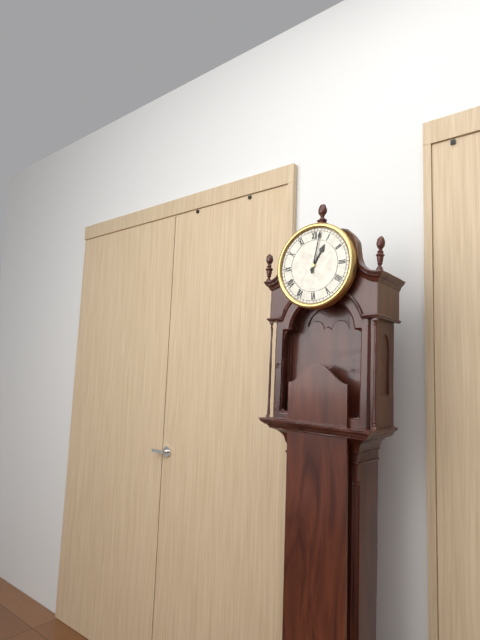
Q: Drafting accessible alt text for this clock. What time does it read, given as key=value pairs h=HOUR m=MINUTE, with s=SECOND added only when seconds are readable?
h=1 m=2
